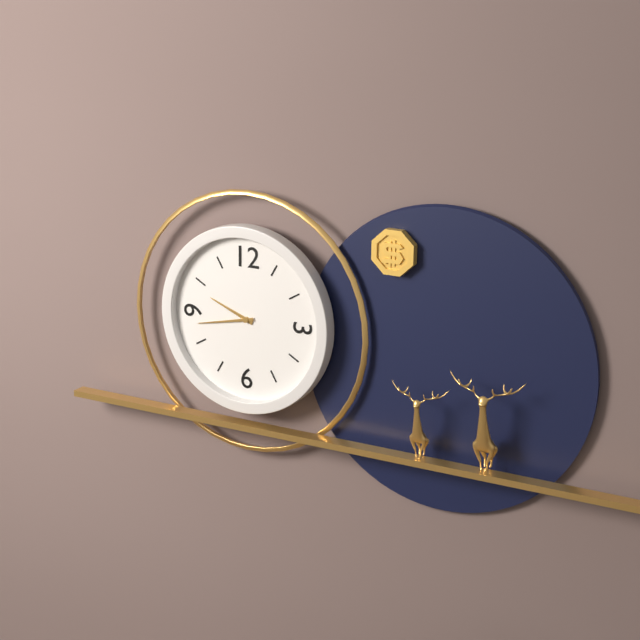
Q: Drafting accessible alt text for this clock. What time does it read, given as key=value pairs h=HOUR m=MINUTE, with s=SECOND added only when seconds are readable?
h=9 m=43
